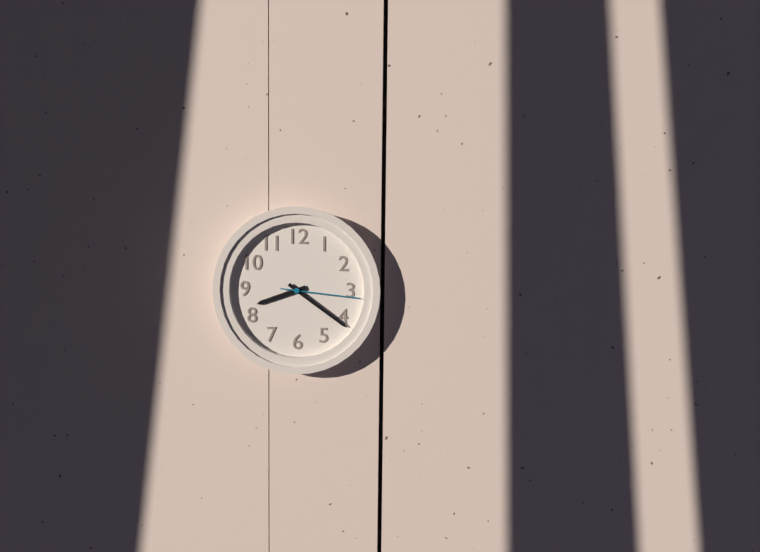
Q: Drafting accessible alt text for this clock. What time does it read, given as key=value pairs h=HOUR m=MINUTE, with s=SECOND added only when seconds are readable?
h=8 m=21 s=16
